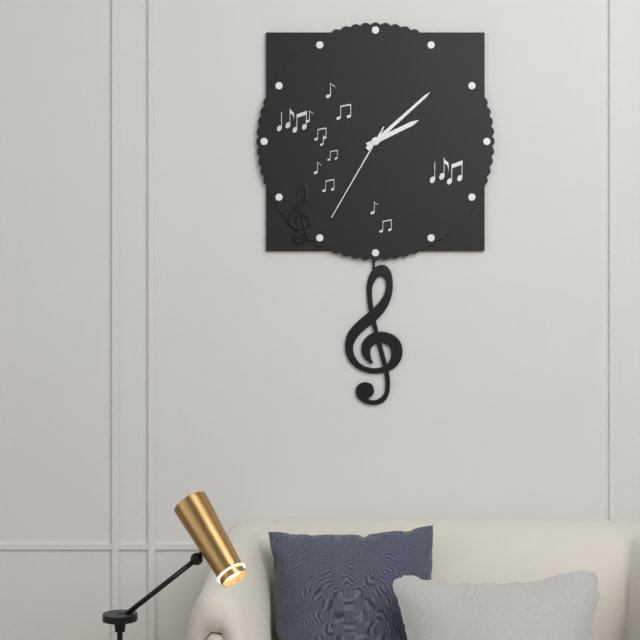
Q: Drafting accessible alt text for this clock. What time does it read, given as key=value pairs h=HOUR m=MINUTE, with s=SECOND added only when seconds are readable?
h=2 m=8 s=35
